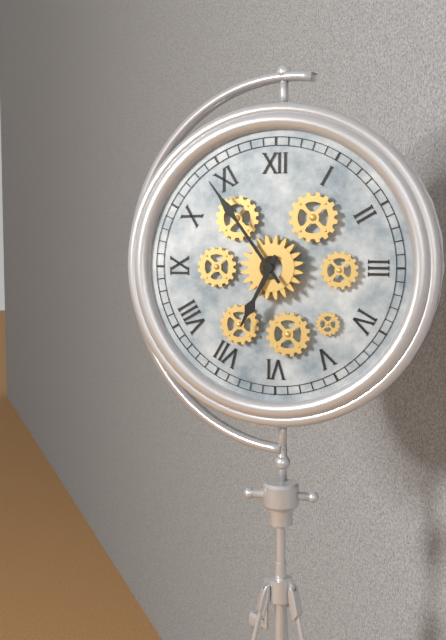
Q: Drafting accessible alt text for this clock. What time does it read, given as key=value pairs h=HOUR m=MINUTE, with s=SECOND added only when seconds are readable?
h=6 m=54
